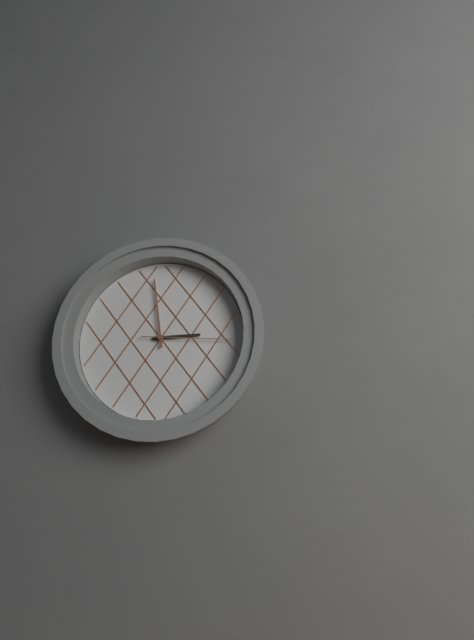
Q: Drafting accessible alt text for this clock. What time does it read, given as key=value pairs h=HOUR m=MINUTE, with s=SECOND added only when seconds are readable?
h=2 m=59 s=16
